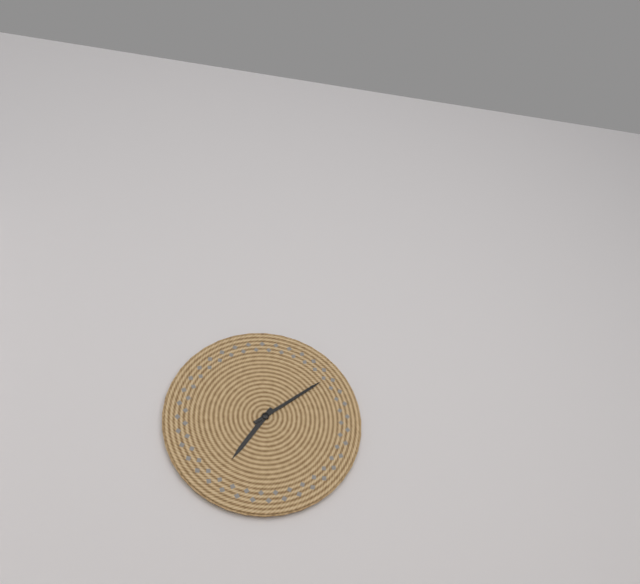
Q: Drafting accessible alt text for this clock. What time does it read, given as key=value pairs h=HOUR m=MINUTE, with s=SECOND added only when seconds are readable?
h=7 m=9
